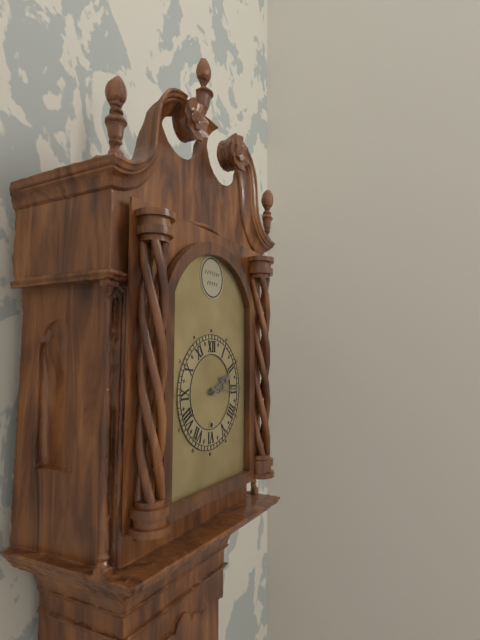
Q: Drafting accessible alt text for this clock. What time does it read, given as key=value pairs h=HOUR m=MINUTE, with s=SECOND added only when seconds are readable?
h=2 m=15
